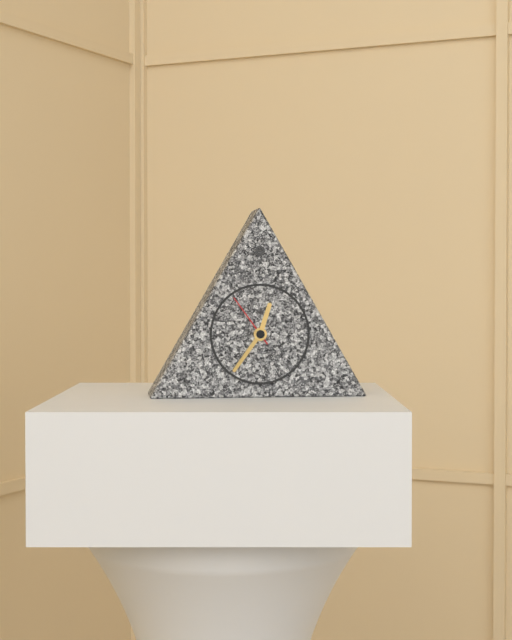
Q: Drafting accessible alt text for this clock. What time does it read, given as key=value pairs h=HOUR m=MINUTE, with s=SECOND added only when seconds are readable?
h=12 m=36 s=54
